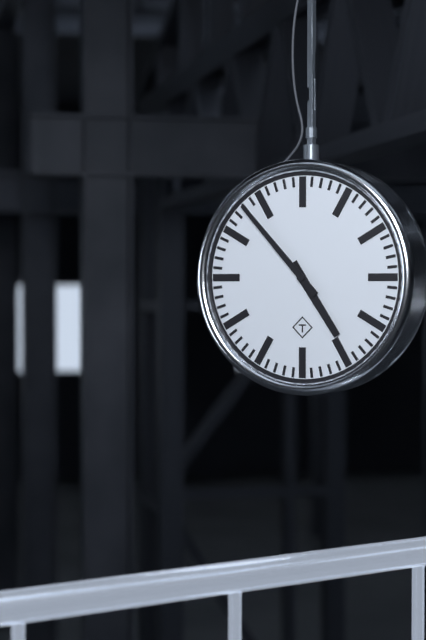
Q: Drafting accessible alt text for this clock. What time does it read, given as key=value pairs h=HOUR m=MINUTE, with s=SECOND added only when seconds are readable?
h=4 m=53
